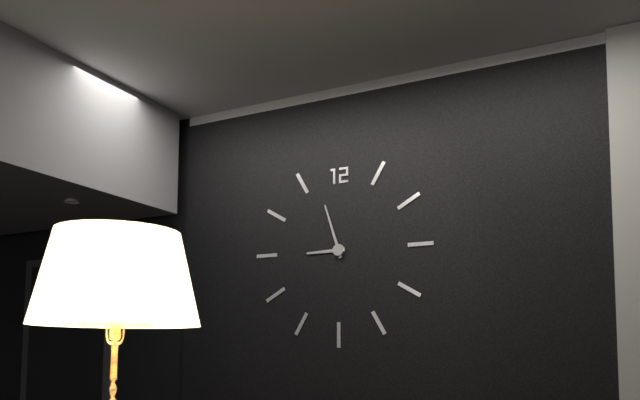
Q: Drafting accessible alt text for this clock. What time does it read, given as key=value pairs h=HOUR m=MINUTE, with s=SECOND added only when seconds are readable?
h=8 m=57
